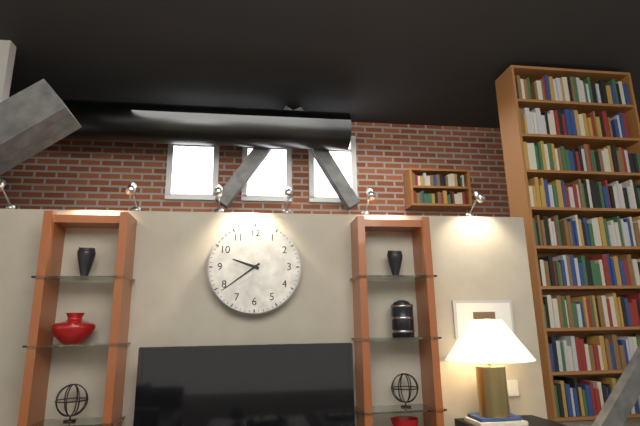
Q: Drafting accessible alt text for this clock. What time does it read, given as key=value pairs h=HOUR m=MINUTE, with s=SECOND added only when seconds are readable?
h=9 m=39
